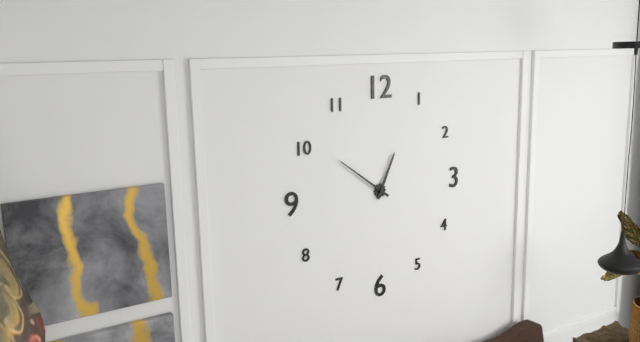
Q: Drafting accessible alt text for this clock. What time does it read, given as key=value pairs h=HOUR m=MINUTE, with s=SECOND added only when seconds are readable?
h=12 m=51
